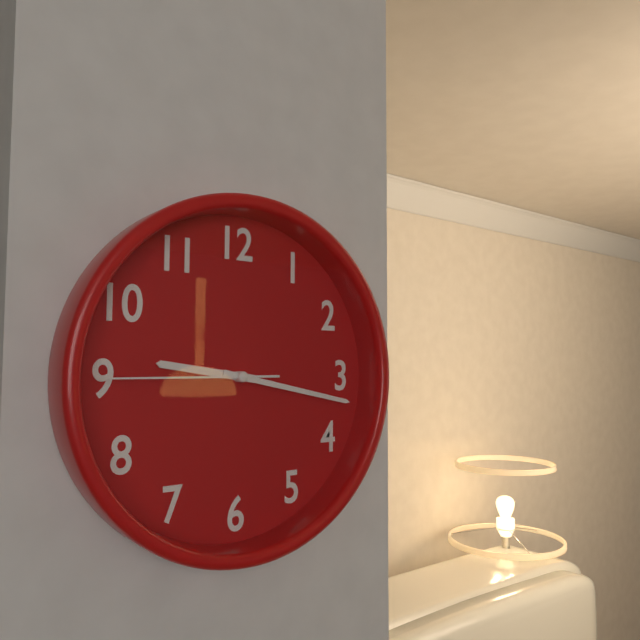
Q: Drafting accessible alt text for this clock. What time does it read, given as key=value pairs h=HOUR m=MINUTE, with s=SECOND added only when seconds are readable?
h=9 m=17 s=45
